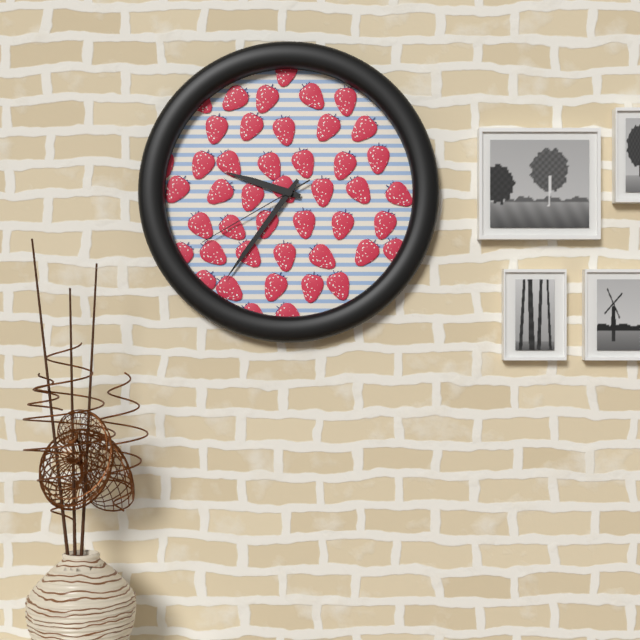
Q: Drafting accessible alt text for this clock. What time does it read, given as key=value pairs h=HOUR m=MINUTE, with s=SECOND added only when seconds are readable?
h=9 m=36 s=40
